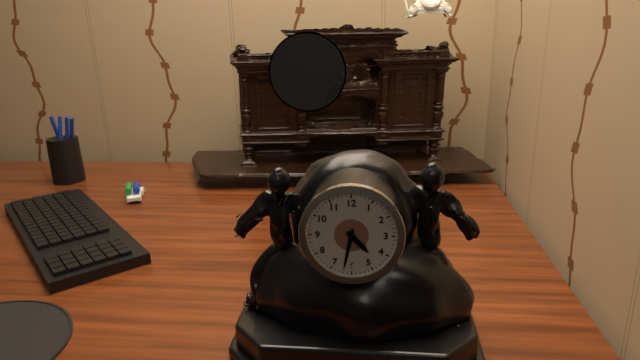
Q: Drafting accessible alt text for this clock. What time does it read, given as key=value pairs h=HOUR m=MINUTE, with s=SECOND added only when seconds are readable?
h=4 m=32
